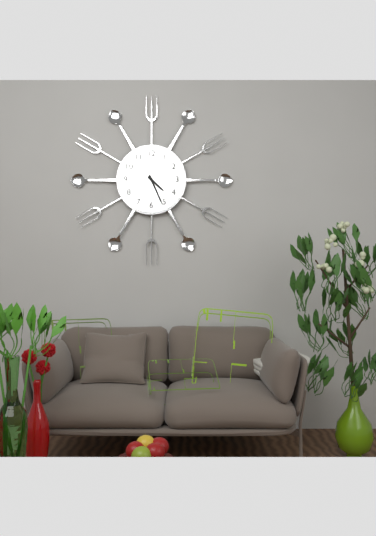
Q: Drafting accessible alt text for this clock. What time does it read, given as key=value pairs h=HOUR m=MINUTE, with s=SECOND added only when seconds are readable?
h=4 m=26
